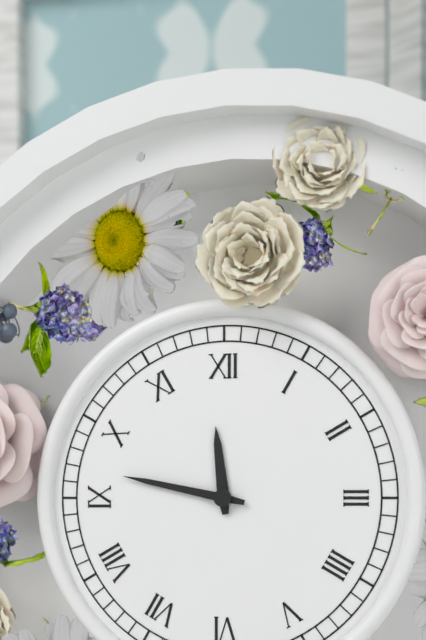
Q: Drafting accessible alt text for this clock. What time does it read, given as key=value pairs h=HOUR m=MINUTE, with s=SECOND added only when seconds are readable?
h=11 m=47
